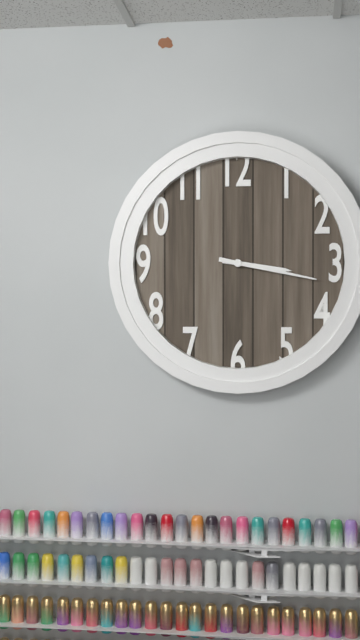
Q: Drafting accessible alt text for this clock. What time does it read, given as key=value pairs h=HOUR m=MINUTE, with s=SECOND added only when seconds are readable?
h=3 m=17
